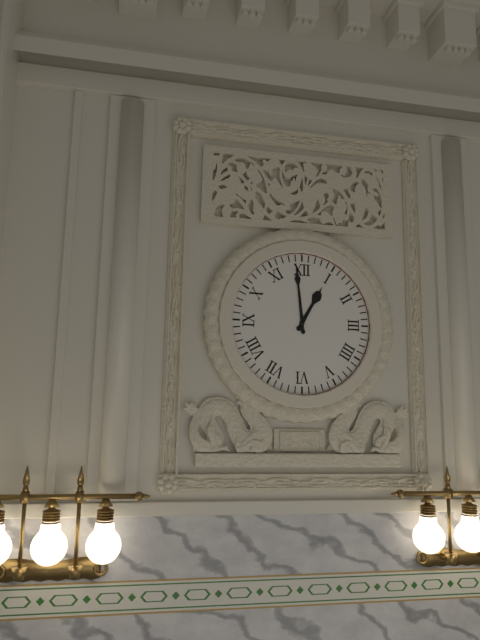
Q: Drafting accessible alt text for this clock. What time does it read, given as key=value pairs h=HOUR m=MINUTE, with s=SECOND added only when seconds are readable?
h=12 m=59
